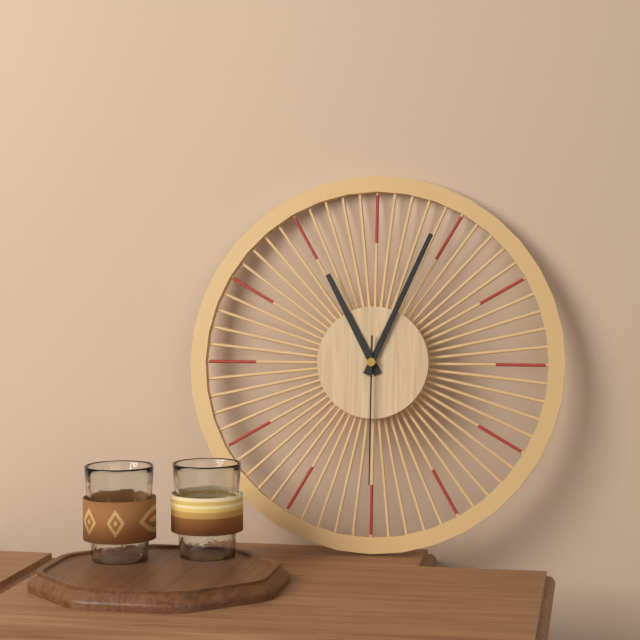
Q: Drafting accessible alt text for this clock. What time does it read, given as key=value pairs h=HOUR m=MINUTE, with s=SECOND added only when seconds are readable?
h=11 m=4 s=30
